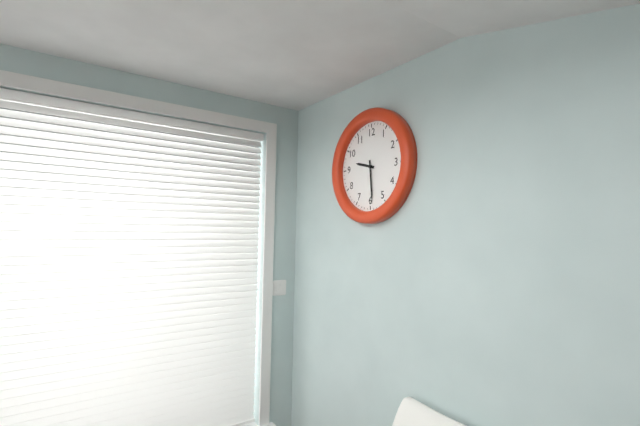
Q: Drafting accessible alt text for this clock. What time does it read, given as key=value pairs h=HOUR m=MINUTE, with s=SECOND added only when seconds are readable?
h=9 m=29
